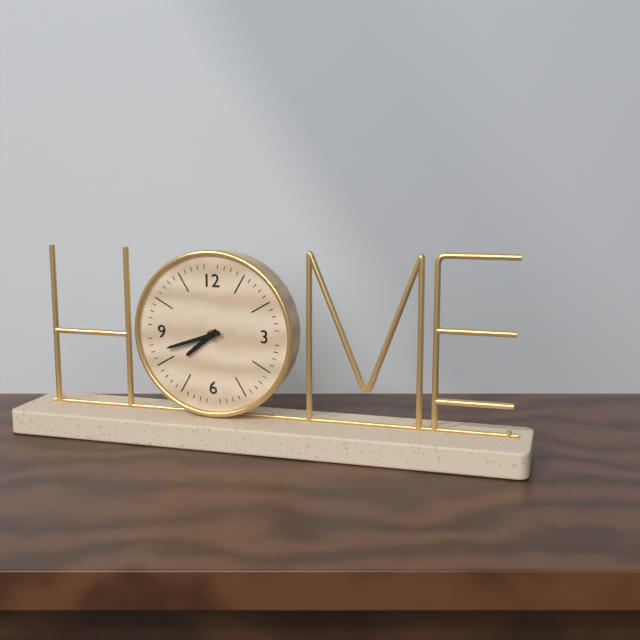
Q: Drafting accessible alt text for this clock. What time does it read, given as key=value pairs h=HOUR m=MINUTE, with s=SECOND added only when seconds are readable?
h=7 m=42
